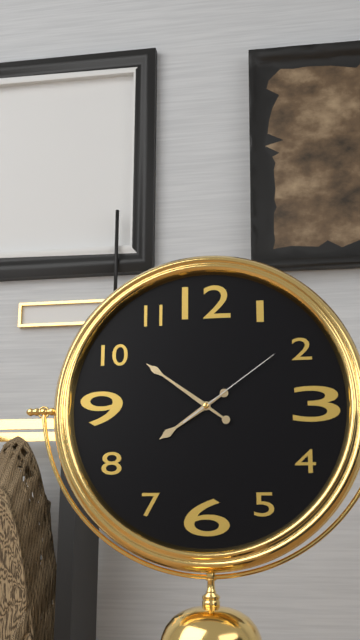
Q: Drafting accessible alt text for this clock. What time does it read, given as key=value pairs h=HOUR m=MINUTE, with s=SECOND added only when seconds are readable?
h=7 m=51 s=9
